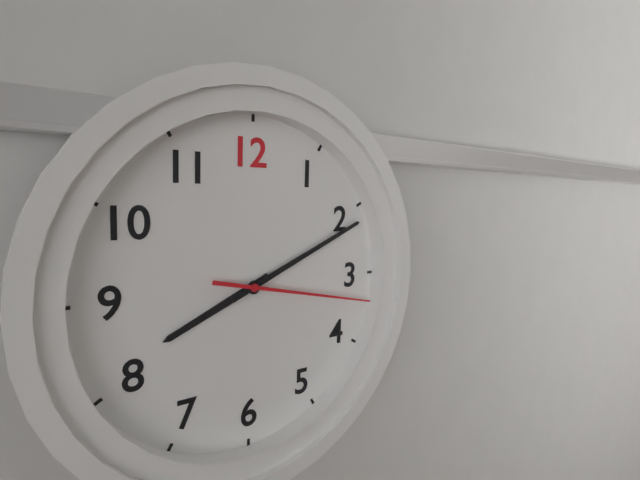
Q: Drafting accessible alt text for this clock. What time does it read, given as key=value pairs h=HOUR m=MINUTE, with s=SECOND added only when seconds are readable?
h=8 m=11 s=17
